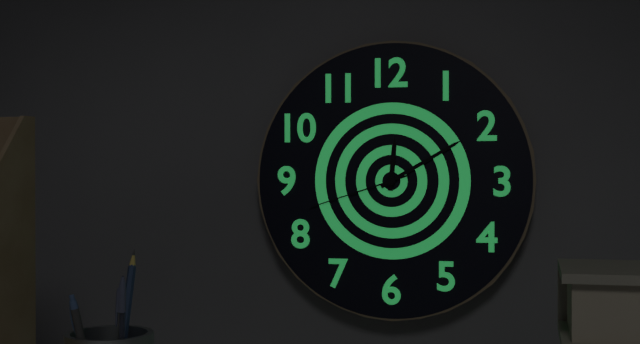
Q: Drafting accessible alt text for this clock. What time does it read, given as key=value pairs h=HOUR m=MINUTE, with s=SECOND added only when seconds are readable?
h=12 m=10 s=42
